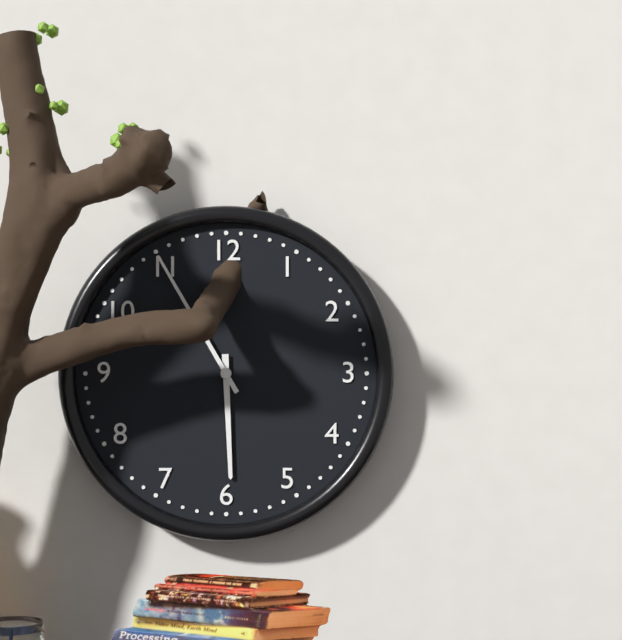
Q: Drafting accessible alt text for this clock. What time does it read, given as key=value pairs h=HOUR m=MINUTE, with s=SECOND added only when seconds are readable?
h=5 m=55
